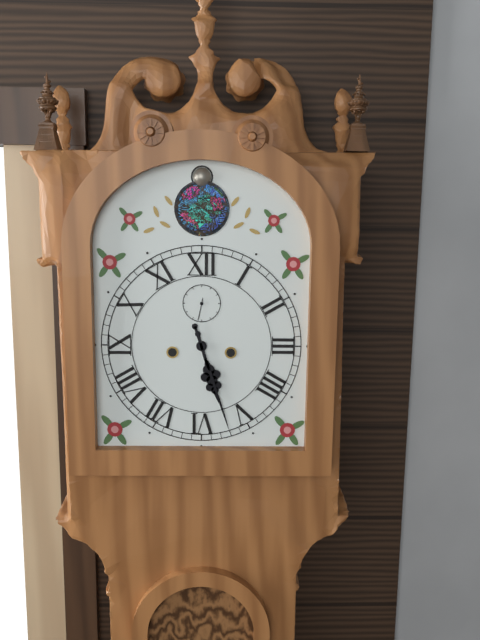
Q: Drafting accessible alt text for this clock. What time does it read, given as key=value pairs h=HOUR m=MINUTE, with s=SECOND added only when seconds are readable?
h=5 m=27
